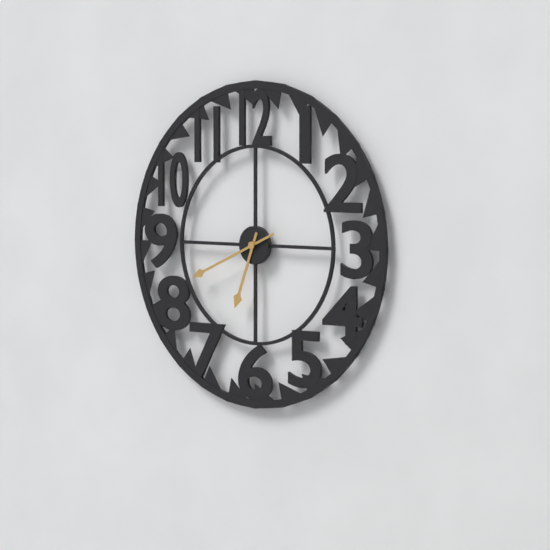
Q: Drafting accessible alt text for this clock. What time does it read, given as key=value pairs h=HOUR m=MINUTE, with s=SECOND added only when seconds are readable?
h=6 m=41
